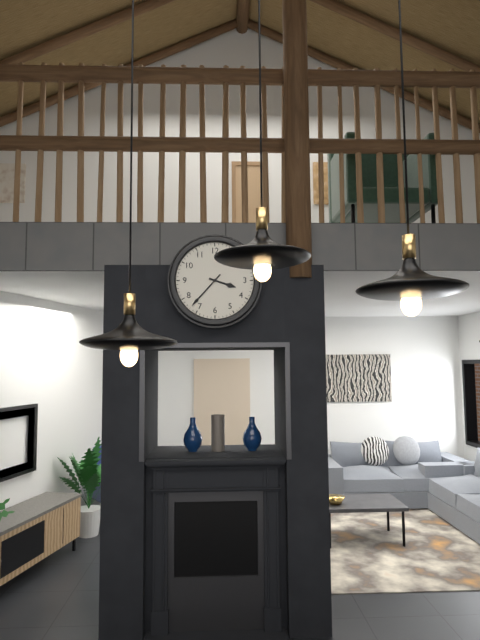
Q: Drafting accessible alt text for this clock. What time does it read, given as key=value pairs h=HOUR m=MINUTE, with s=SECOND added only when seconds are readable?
h=3 m=37
